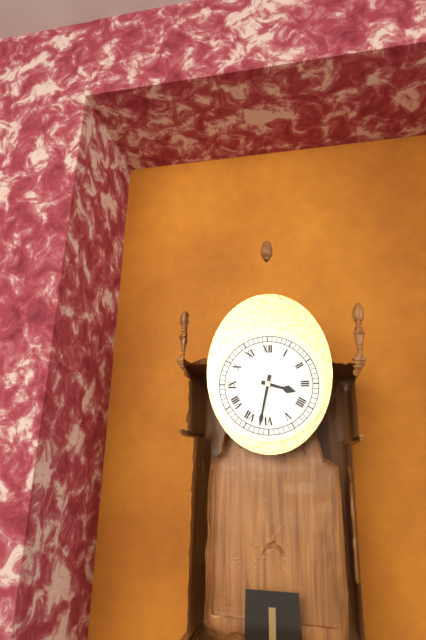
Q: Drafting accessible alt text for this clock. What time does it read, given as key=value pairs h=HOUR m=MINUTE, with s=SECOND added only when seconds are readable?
h=3 m=32
